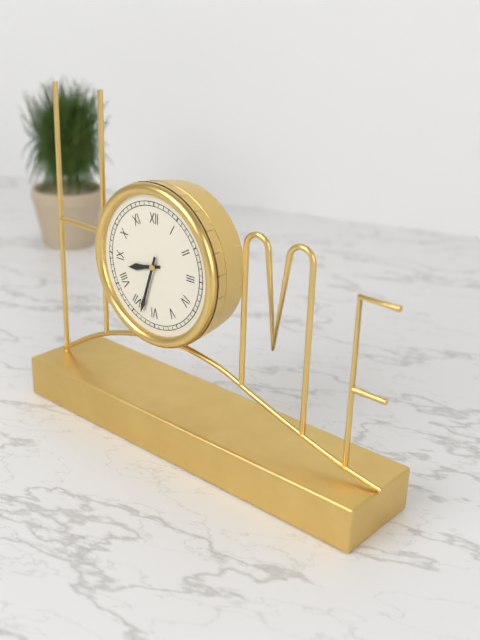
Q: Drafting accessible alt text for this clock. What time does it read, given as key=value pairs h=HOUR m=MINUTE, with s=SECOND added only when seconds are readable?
h=8 m=33
